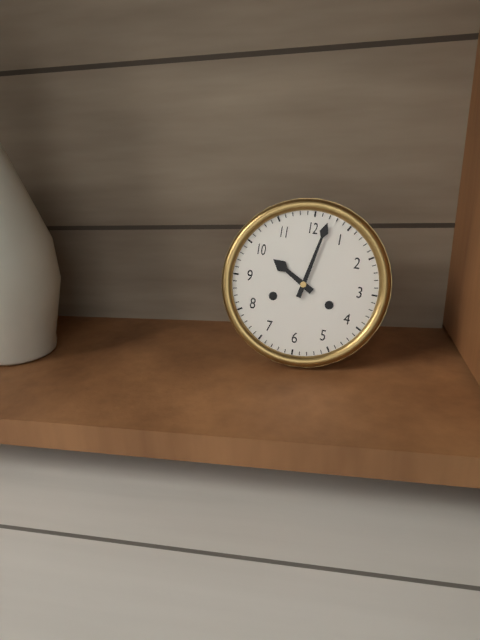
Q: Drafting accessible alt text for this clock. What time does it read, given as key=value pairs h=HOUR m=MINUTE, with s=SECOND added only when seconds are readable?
h=10 m=2
